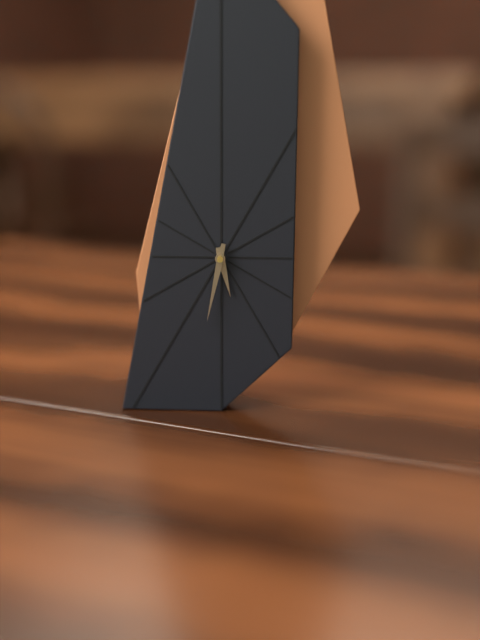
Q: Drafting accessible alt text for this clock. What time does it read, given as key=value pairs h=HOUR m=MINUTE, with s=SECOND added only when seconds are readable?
h=5 m=32
